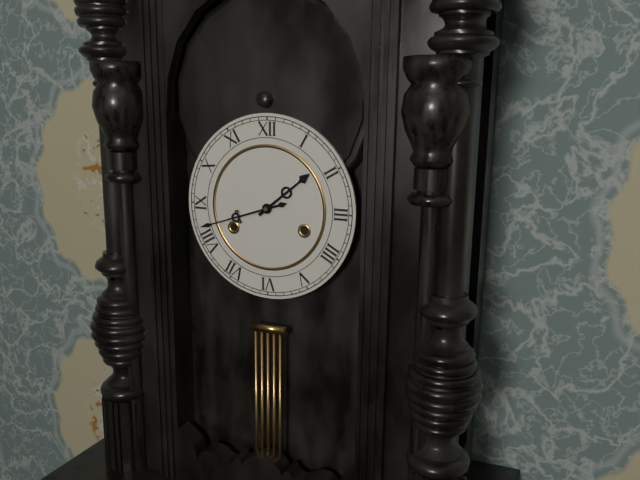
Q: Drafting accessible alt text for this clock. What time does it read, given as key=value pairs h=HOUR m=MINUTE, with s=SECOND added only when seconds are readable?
h=1 m=42
